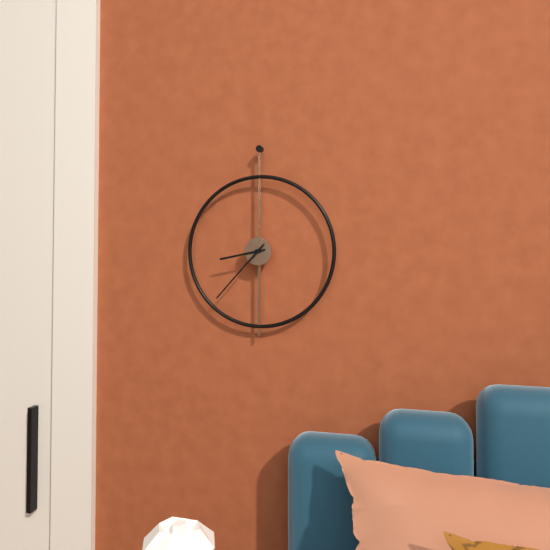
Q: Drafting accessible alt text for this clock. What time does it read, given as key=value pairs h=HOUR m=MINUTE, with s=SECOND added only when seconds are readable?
h=8 m=37
